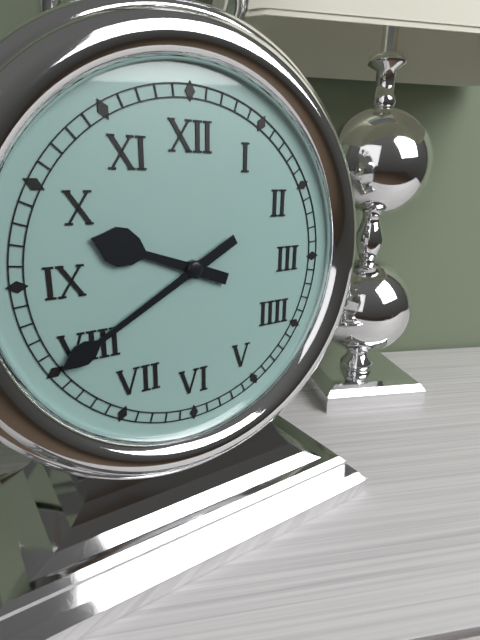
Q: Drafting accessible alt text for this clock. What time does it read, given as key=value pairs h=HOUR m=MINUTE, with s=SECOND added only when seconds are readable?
h=9 m=40
